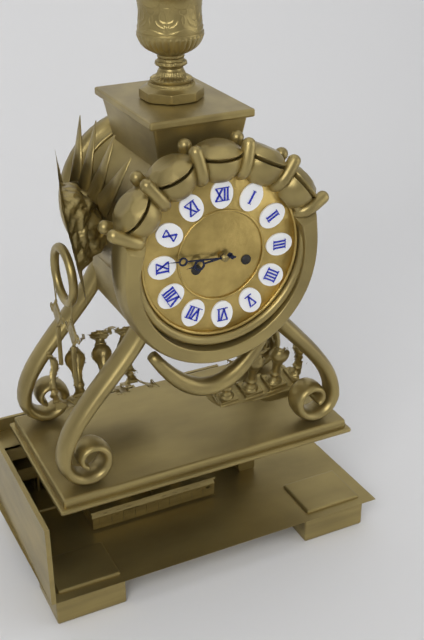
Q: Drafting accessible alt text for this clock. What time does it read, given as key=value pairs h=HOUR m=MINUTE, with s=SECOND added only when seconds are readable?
h=8 m=46
